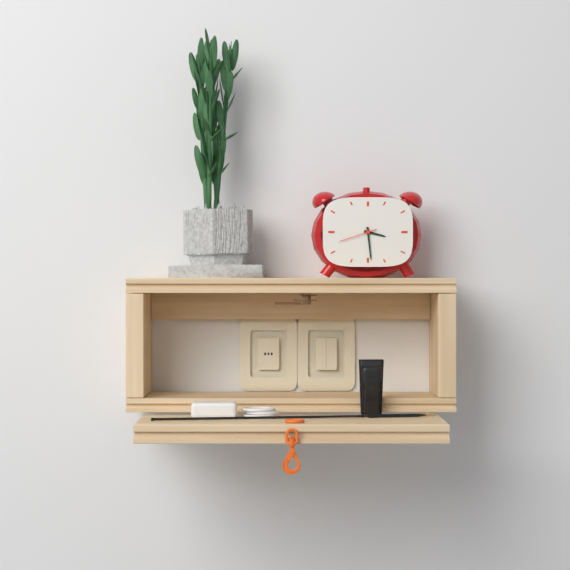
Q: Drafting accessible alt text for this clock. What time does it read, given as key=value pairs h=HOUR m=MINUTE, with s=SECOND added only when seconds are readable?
h=3 m=29
